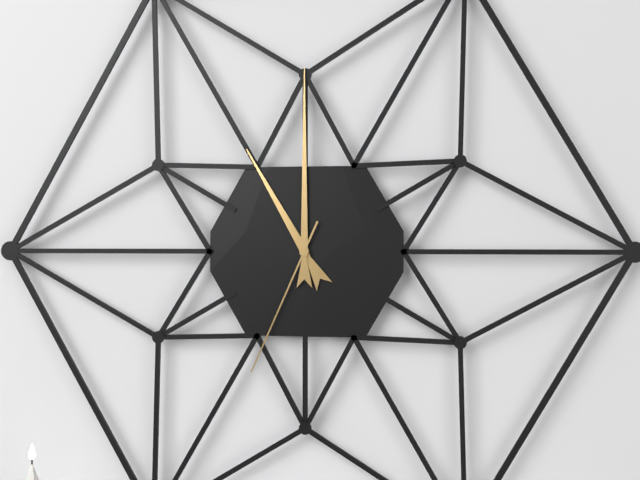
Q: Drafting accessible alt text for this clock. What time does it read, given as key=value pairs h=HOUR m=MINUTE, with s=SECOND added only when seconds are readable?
h=11 m=0 s=34
